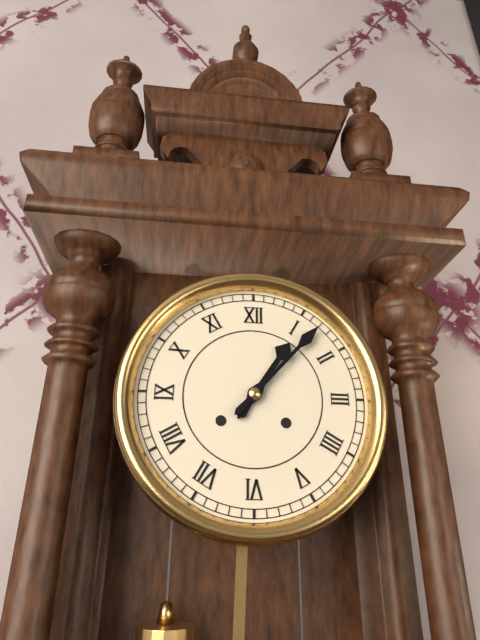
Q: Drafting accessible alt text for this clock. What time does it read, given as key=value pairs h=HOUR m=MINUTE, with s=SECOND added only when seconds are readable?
h=1 m=7
